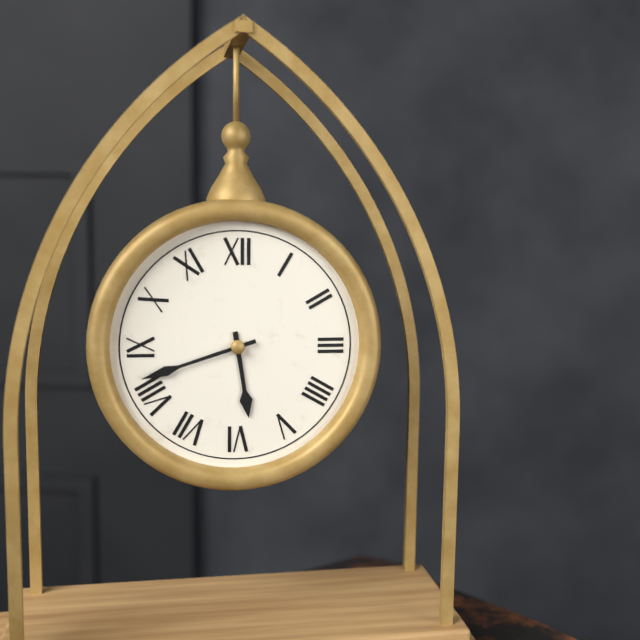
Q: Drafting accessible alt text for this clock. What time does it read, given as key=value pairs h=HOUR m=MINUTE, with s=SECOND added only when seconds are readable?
h=5 m=42
